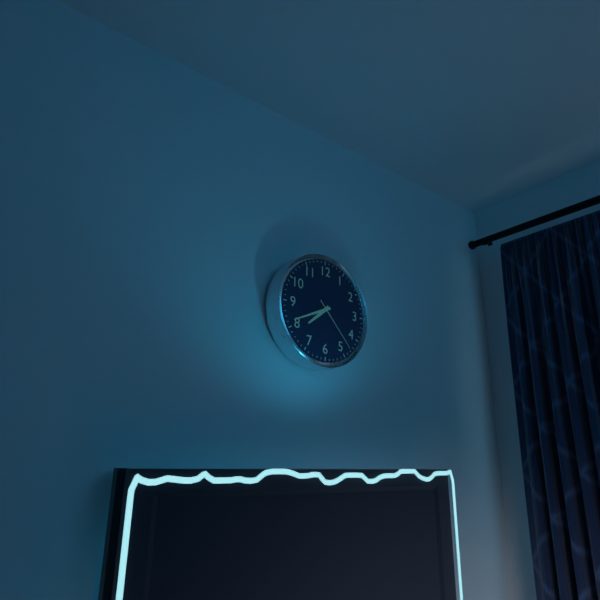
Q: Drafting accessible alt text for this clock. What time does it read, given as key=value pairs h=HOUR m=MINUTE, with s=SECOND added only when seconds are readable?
h=7 m=41 s=23
